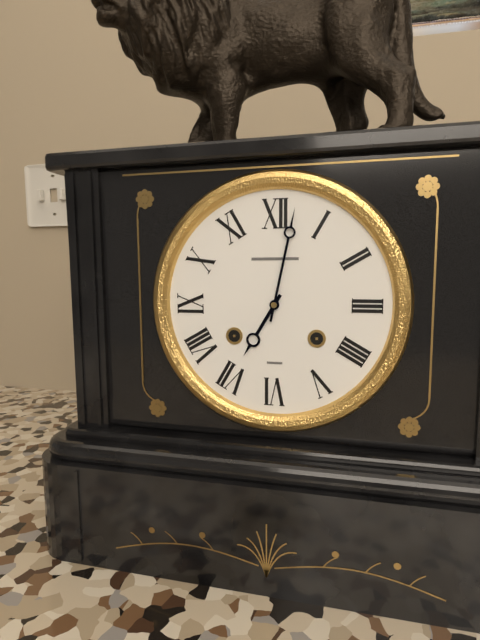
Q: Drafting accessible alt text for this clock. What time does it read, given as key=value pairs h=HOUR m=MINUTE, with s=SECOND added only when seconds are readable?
h=7 m=2
